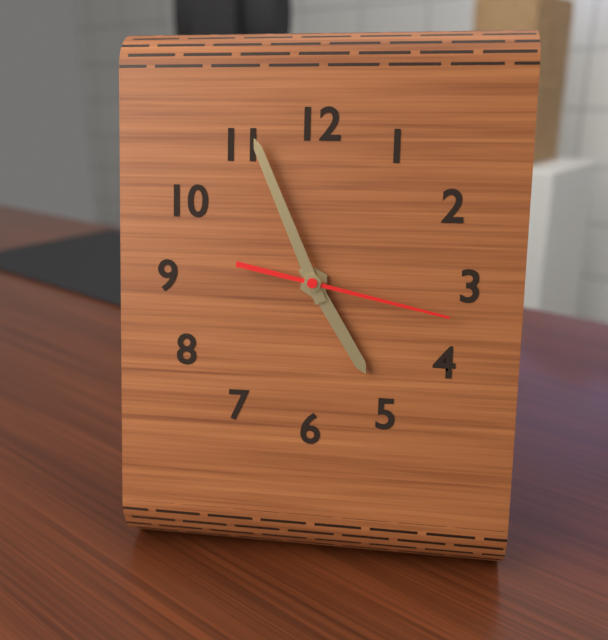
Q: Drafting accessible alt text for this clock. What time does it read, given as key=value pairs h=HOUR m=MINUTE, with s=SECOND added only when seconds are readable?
h=4 m=56 s=17
